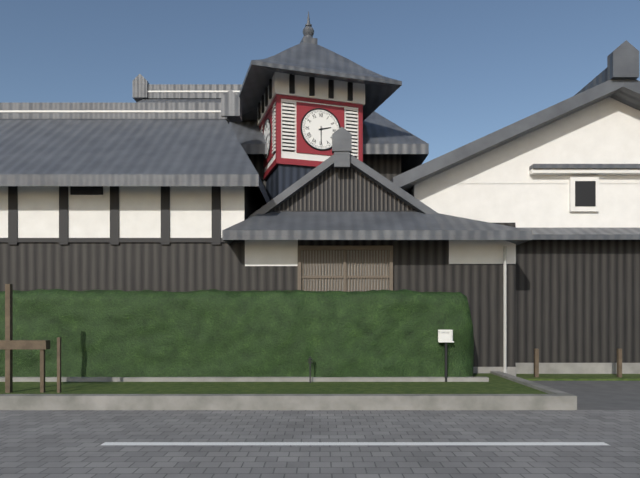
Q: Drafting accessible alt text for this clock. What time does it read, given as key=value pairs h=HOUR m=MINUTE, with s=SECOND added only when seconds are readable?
h=2 m=30
